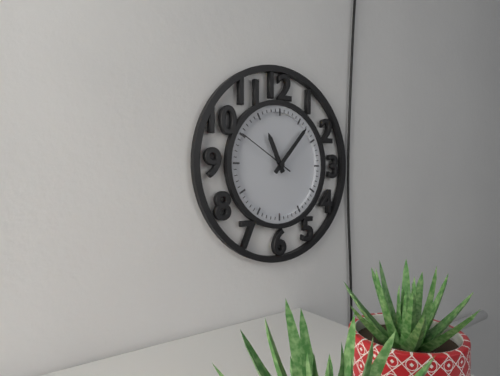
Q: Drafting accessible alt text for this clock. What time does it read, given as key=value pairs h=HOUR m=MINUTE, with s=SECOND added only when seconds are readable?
h=11 m=7 s=50
